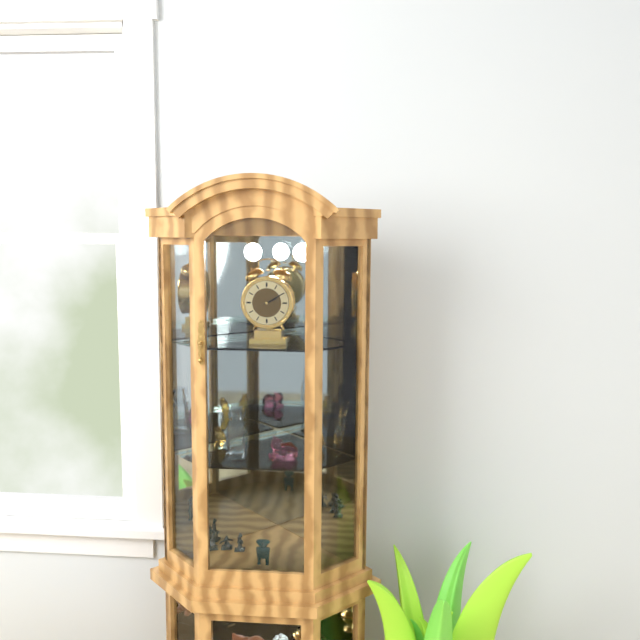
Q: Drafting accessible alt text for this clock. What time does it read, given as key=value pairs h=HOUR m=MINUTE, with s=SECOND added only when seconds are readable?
h=2 m=10
